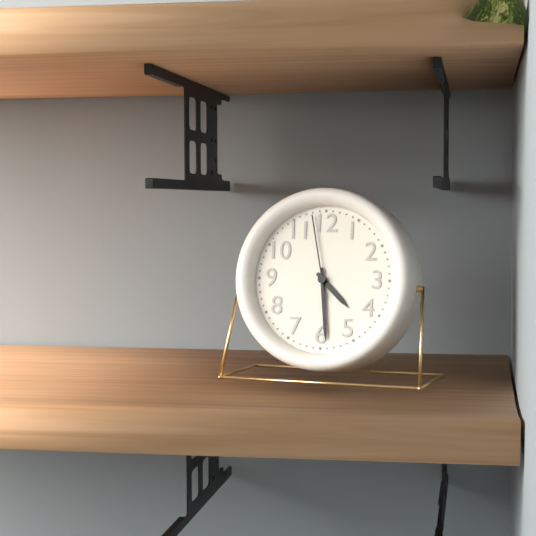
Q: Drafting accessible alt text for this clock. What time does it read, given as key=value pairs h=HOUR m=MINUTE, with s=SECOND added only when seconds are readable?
h=4 m=29 s=58
